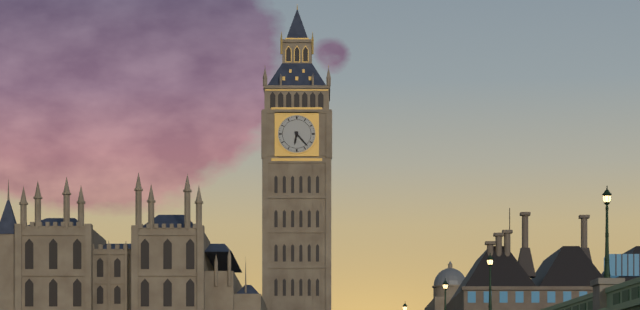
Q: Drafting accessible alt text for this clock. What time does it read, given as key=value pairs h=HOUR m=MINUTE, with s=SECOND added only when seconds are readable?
h=6 m=23
